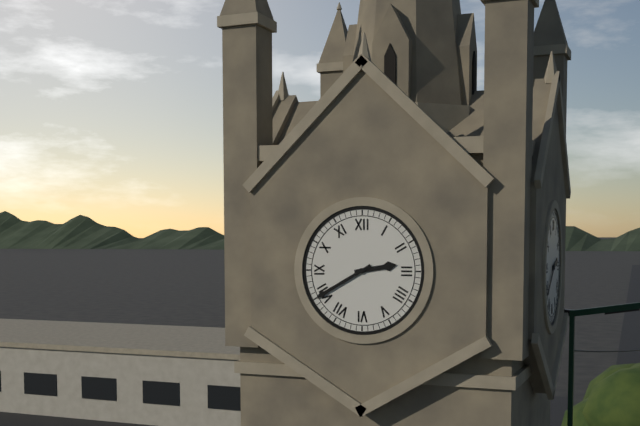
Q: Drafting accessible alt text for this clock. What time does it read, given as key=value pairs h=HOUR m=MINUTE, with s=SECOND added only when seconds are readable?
h=2 m=40
